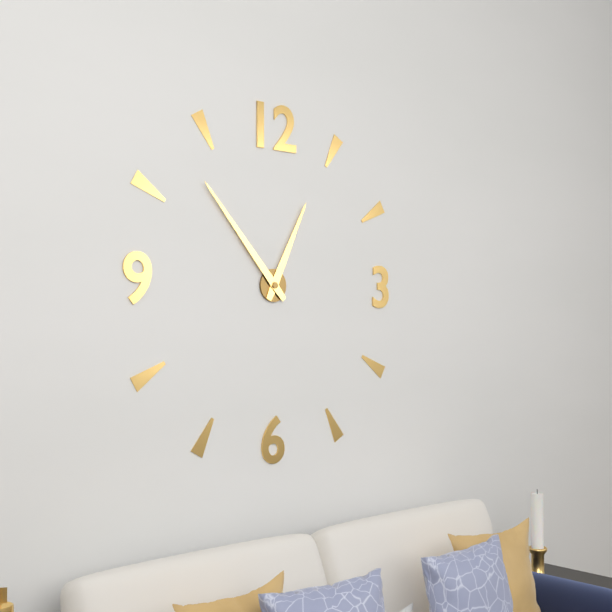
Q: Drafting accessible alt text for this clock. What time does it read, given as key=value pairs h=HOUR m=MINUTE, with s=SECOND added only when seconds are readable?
h=12 m=53
